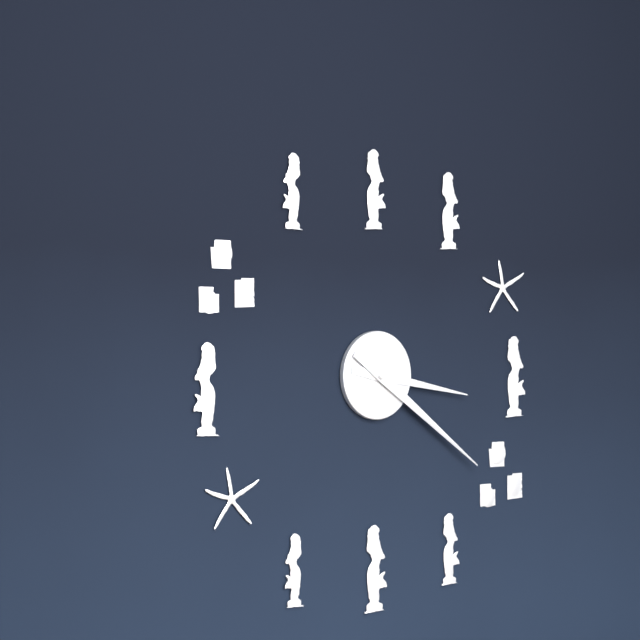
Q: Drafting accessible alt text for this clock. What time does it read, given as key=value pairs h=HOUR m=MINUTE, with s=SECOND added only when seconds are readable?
h=3 m=21
